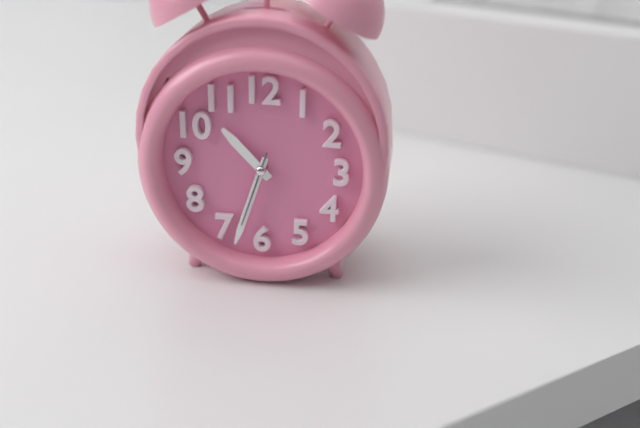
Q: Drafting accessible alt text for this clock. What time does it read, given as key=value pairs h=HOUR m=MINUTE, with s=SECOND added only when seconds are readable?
h=10 m=33 s=33
